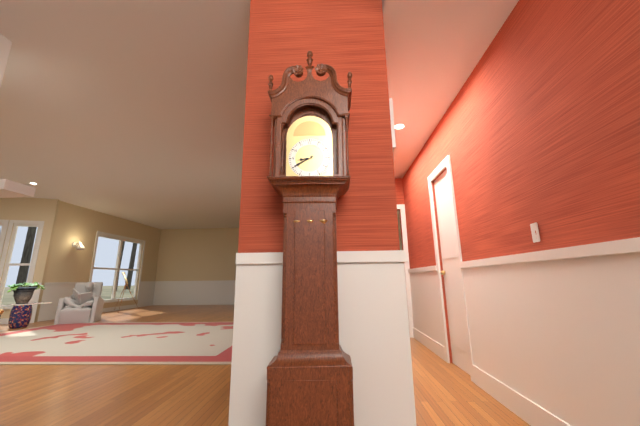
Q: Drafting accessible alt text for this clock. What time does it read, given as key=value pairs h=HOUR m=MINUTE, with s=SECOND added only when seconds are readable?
h=8 m=40
